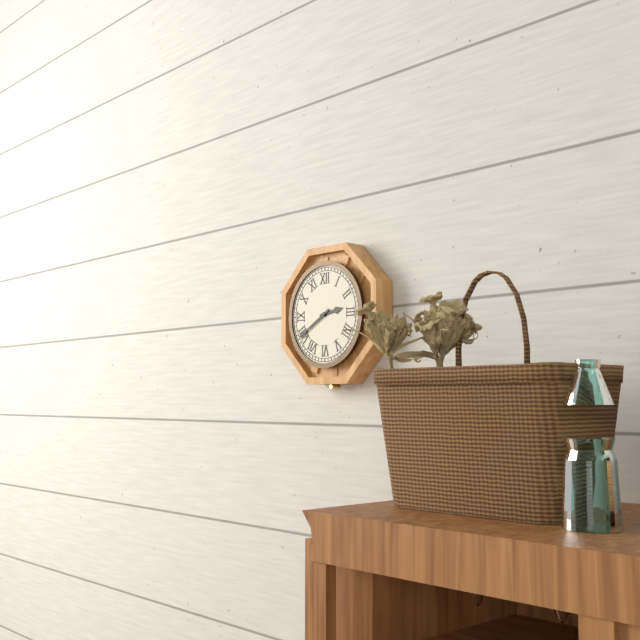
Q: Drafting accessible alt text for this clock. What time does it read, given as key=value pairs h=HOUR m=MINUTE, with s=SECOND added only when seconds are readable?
h=2 m=40
